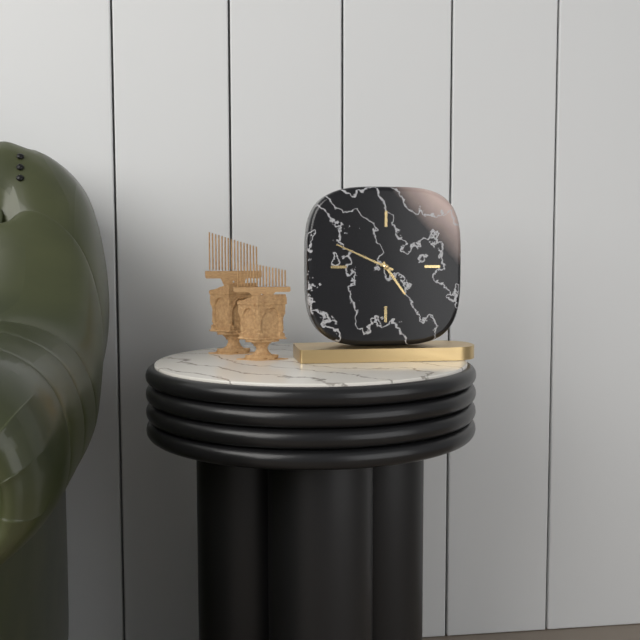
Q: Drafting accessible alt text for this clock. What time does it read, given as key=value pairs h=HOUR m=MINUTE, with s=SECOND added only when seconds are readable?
h=4 m=49
